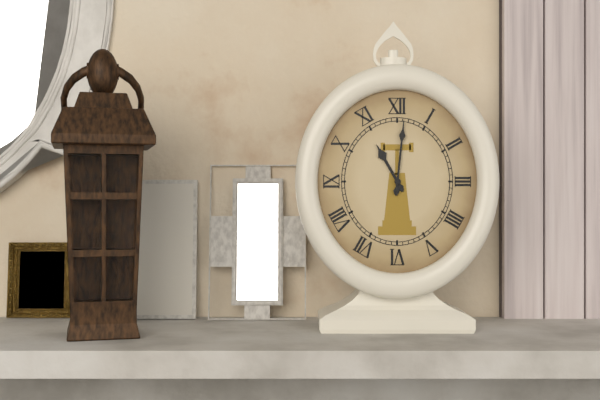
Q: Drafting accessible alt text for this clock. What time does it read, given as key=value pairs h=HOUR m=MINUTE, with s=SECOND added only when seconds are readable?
h=11 m=1
